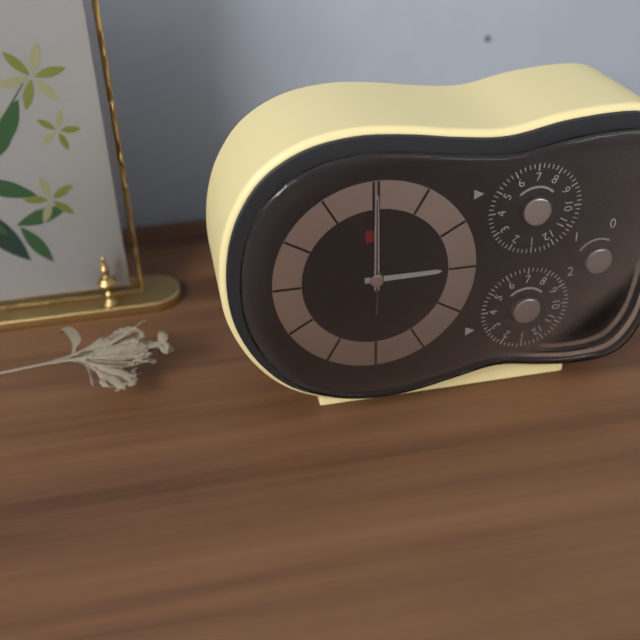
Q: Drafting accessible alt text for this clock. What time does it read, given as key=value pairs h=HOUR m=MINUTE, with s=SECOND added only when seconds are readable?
h=3 m=0 s=0
